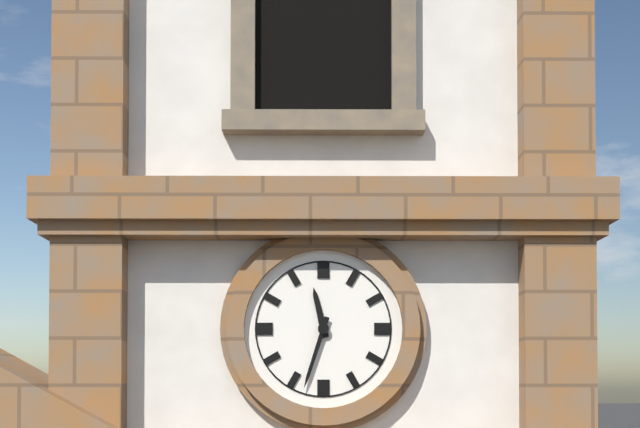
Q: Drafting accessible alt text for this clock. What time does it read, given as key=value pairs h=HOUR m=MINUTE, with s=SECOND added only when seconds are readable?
h=11 m=33
